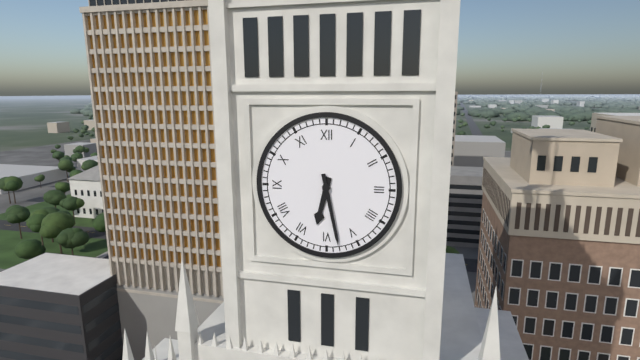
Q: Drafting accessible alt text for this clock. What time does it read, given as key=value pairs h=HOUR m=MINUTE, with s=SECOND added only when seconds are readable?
h=6 m=28
